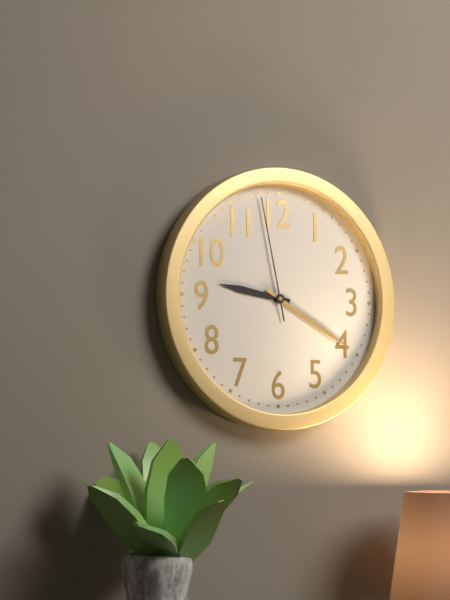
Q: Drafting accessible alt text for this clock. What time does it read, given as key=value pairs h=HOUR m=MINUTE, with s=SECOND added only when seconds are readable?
h=9 m=20 s=58
